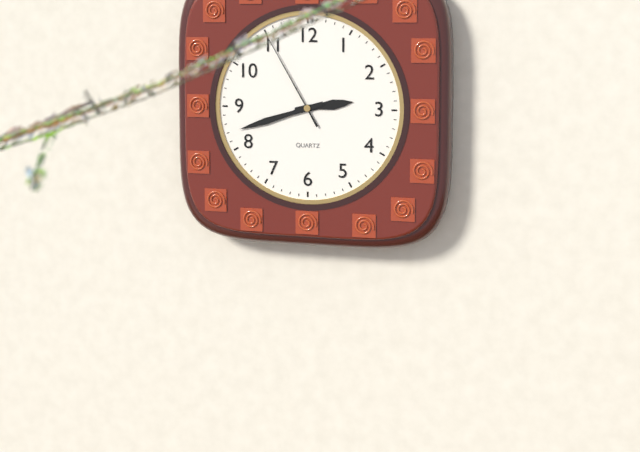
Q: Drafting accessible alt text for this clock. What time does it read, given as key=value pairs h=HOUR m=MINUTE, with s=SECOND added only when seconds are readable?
h=2 m=42 s=55
